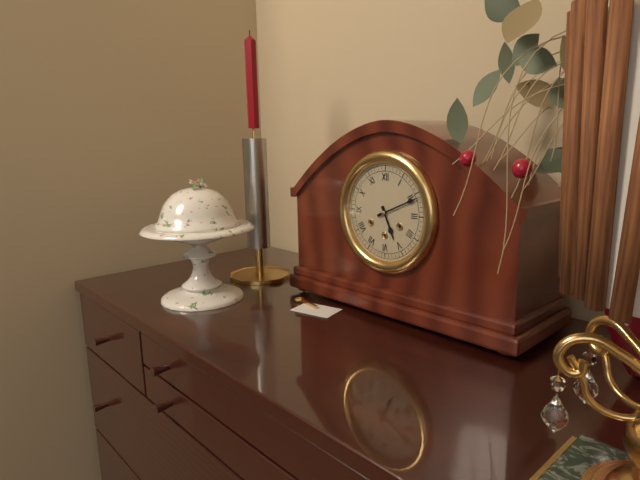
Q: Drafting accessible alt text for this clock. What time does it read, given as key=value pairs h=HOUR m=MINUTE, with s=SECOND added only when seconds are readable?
h=5 m=11
